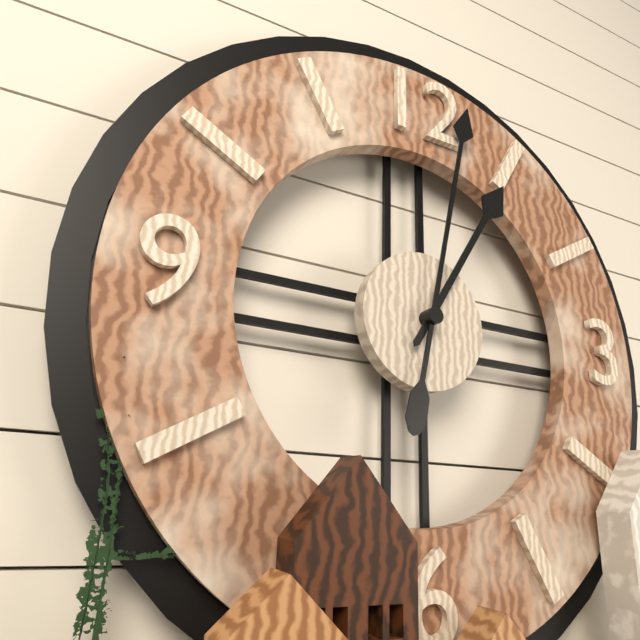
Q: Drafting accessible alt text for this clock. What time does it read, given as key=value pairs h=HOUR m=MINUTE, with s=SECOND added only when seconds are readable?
h=1 m=2
